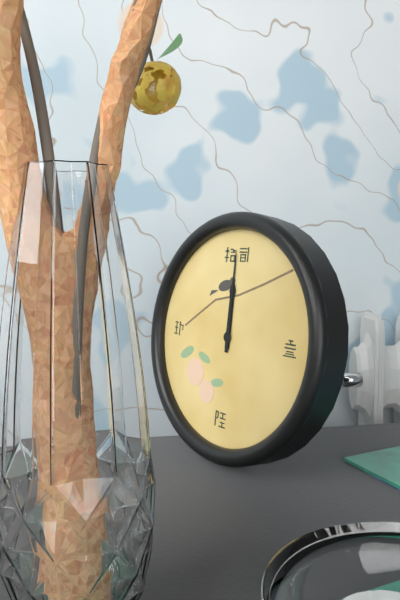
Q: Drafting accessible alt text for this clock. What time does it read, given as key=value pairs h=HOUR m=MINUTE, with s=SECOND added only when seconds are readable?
h=12 m=0
